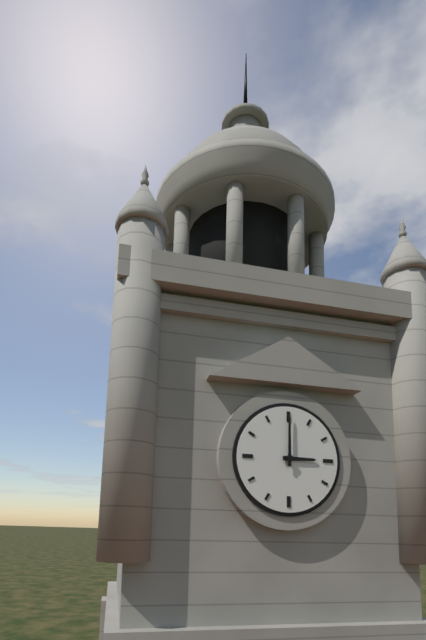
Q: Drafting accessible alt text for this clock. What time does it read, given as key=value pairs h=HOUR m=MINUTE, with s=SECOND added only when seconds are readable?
h=3 m=0
